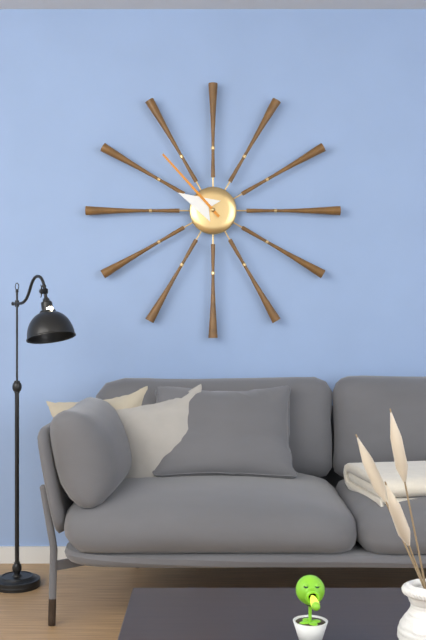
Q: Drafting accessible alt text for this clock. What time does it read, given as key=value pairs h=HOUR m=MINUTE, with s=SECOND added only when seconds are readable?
h=9 m=53
